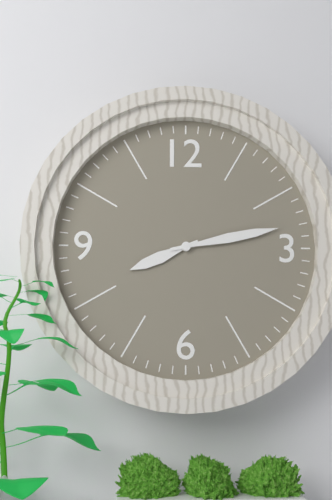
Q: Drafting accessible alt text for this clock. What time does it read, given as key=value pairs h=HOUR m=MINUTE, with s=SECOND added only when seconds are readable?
h=8 m=13
